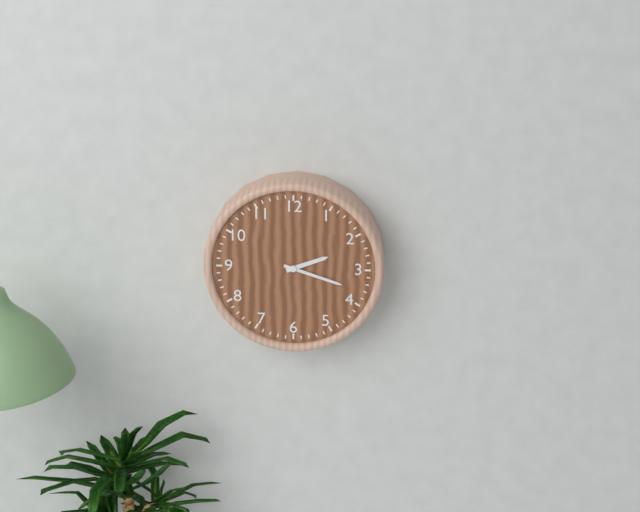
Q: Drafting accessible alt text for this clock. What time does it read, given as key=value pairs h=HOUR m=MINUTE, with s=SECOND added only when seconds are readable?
h=2 m=18
